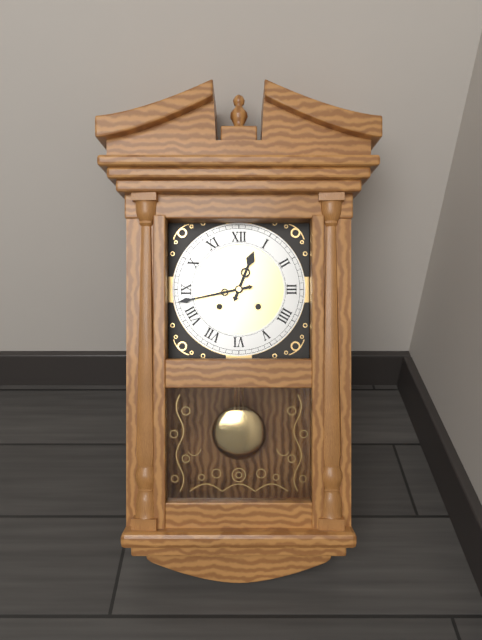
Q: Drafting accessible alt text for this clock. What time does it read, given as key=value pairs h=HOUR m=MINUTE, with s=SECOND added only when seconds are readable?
h=12 m=43
